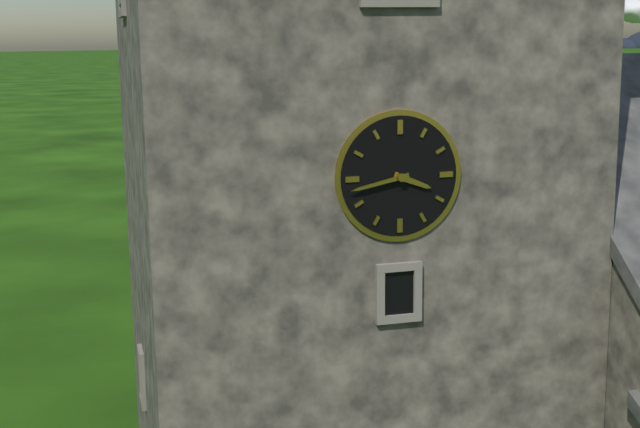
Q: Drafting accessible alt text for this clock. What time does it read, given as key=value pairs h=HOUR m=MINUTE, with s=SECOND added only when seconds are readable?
h=3 m=43
